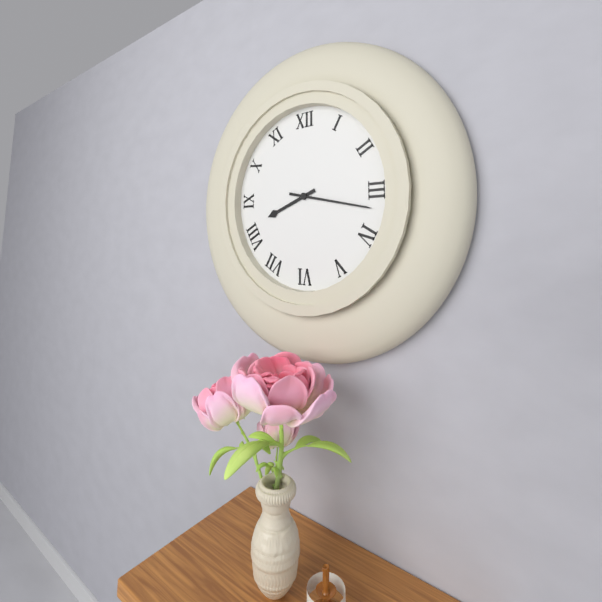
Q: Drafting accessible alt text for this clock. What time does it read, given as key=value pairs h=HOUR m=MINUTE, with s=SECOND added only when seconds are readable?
h=8 m=17
